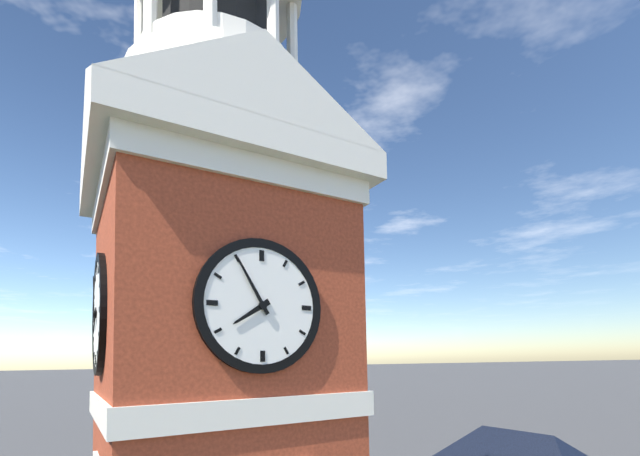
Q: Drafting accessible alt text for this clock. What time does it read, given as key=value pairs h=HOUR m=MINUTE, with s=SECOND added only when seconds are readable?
h=7 m=55
